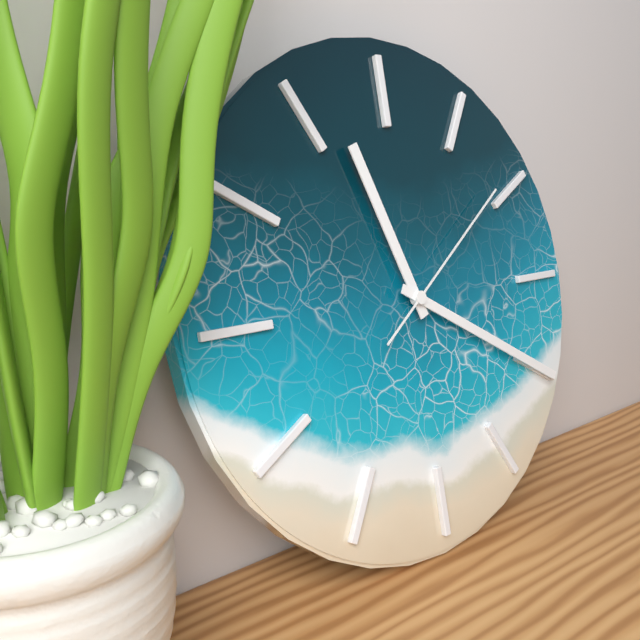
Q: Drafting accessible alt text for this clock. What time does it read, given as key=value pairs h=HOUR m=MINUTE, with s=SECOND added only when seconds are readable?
h=11 m=20 s=9
